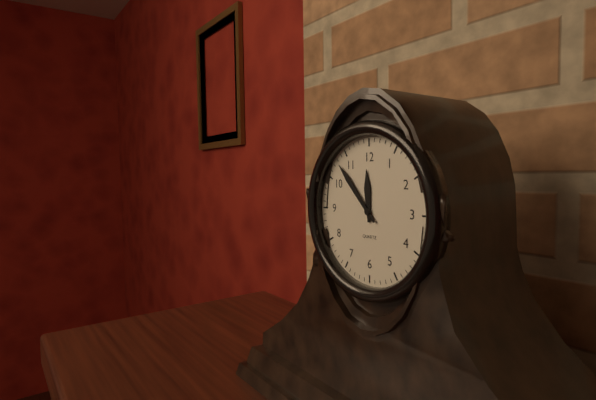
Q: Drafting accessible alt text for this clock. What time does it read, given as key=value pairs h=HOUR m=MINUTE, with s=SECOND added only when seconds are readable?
h=11 m=53
